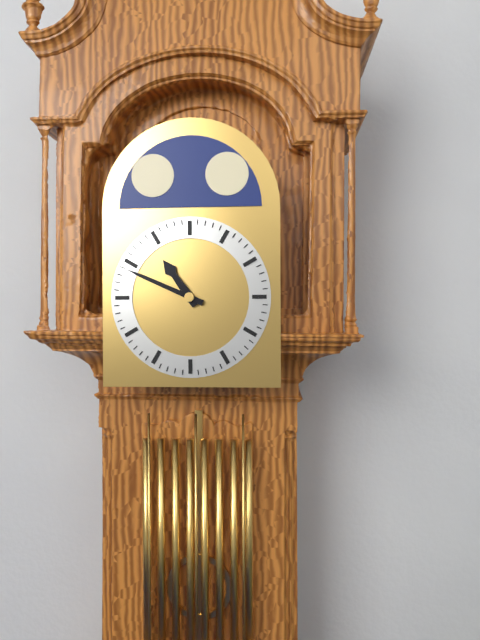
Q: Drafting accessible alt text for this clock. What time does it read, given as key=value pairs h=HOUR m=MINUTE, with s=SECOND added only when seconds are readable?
h=10 m=49
